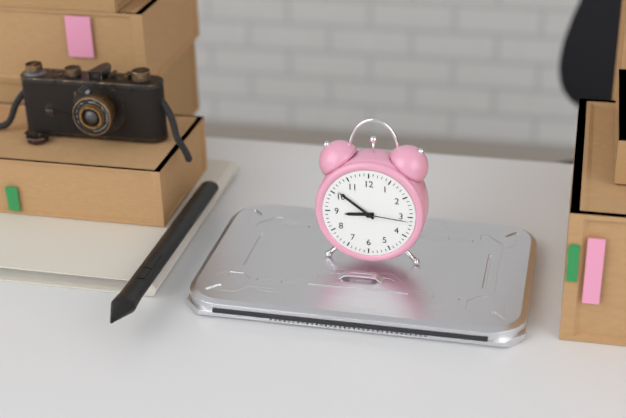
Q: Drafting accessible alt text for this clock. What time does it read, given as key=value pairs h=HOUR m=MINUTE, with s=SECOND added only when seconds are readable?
h=8 m=51 s=16
